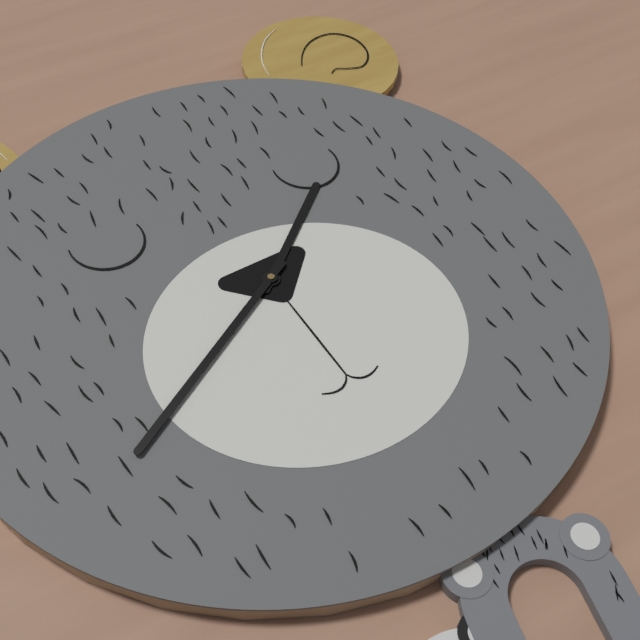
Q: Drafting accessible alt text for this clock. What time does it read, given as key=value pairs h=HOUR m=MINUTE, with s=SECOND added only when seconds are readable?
h=1 m=40
